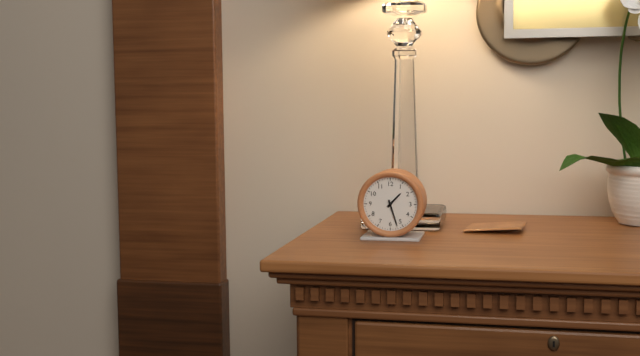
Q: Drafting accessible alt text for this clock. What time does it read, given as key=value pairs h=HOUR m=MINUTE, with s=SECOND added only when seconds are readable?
h=1 m=27
